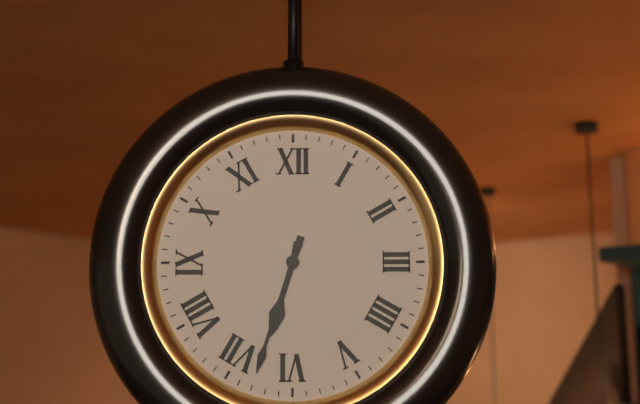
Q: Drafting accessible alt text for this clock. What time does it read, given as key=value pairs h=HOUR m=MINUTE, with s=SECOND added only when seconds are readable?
h=6 m=33
